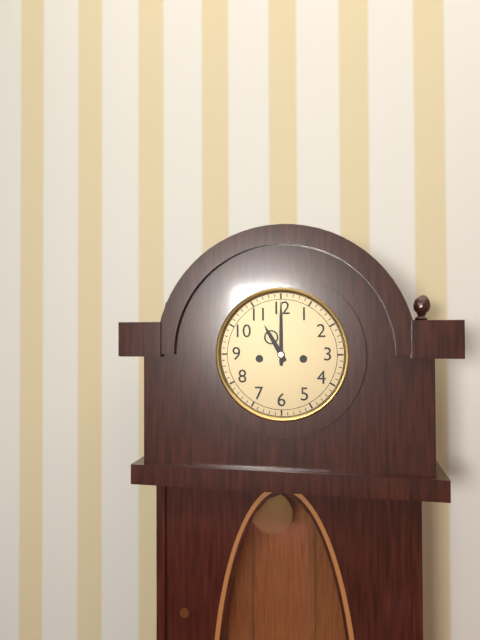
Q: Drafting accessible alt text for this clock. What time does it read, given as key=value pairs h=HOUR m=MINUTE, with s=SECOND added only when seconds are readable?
h=11 m=0
